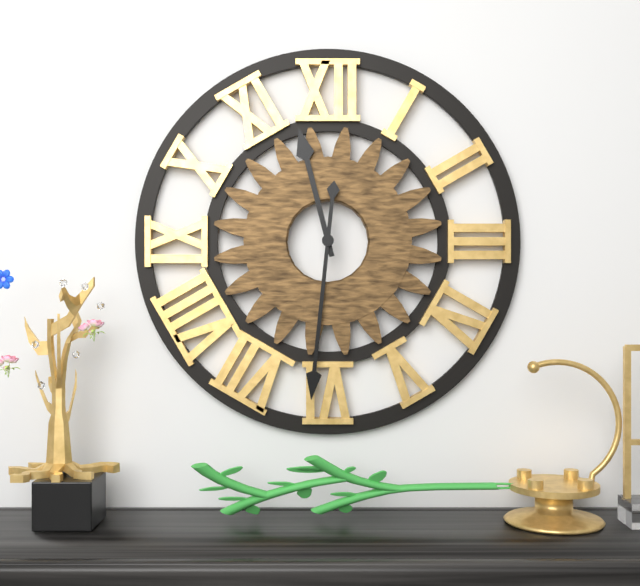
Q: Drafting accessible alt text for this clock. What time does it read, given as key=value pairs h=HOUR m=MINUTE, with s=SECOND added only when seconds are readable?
h=11 m=31
